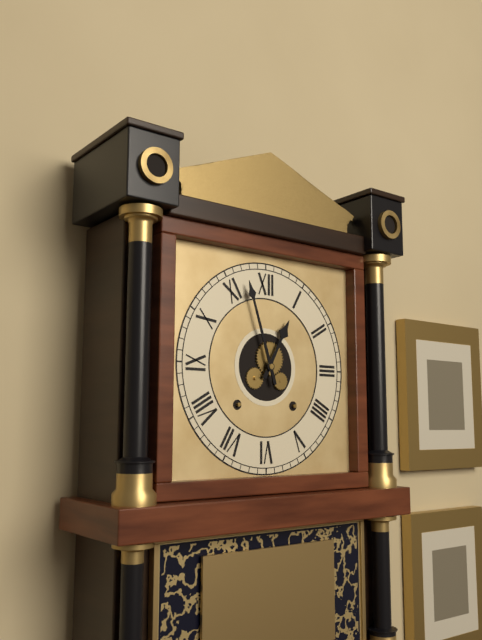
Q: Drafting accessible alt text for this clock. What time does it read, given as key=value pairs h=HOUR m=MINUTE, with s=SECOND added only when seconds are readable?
h=12 m=57
